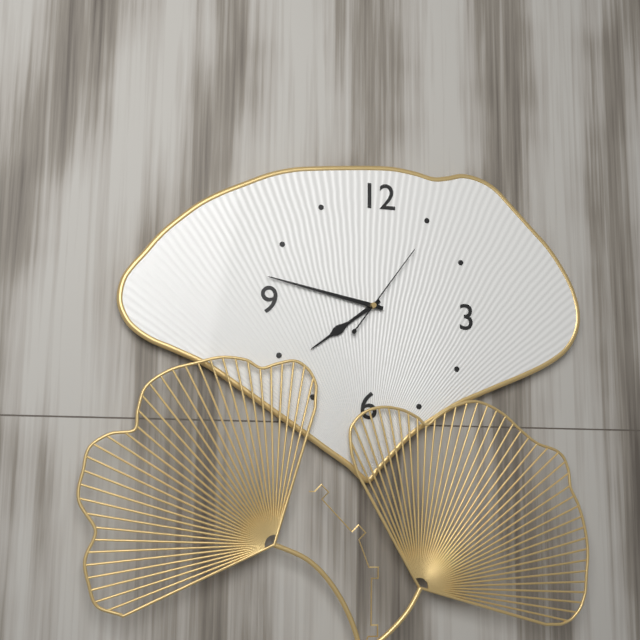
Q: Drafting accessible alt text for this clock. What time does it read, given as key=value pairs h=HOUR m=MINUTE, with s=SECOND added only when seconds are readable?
h=7 m=47 s=6
